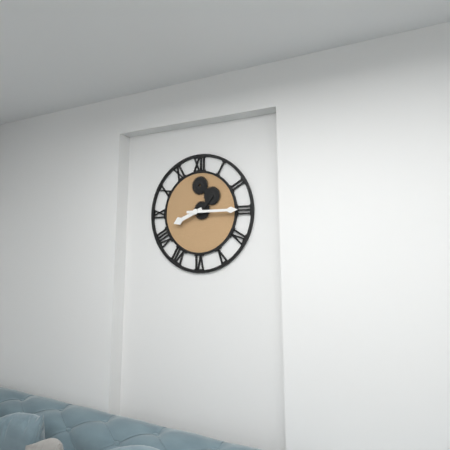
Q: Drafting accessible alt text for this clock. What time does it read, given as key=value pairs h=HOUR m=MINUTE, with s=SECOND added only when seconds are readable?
h=8 m=15
